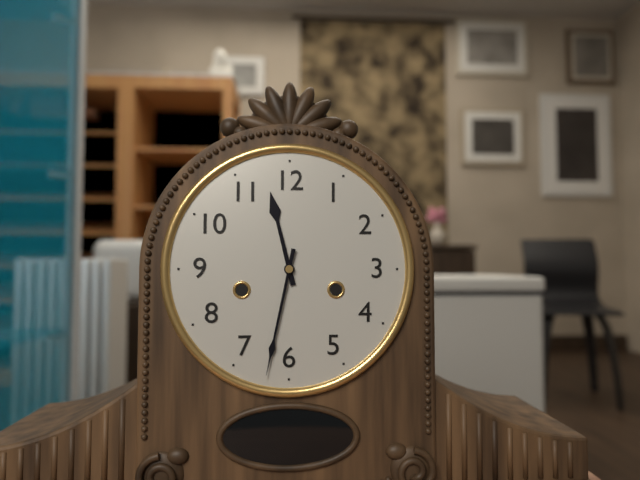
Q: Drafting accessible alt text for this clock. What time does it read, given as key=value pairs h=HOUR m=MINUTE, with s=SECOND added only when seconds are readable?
h=11 m=32
